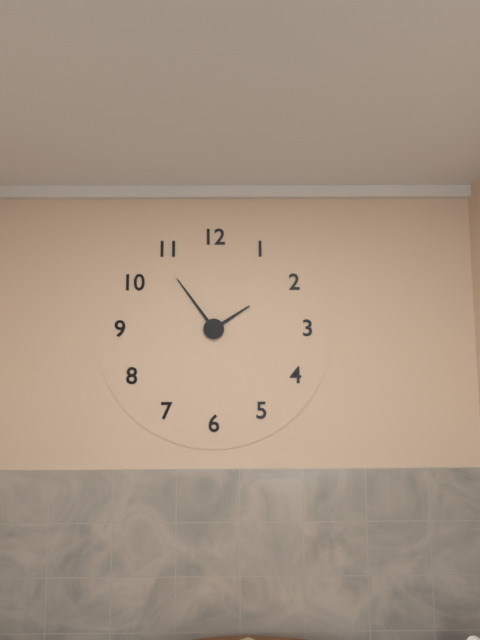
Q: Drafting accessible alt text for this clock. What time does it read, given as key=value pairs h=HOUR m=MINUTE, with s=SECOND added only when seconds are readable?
h=1 m=54
